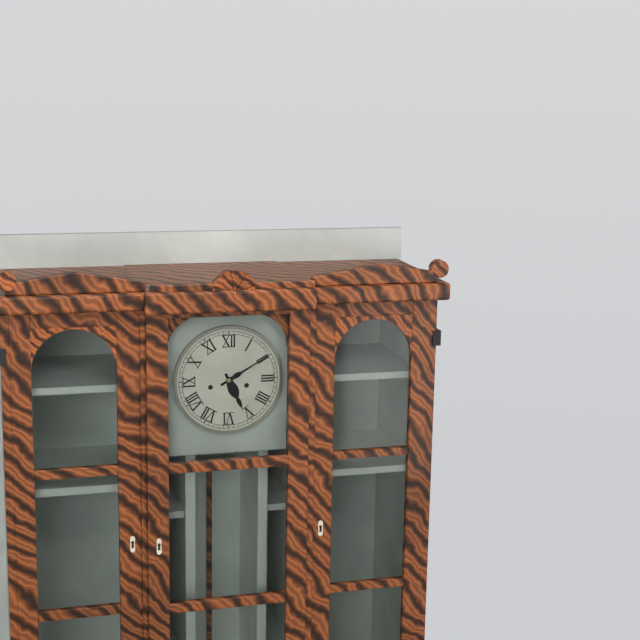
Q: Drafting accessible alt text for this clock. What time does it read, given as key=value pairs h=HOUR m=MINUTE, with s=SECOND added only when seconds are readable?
h=5 m=10
